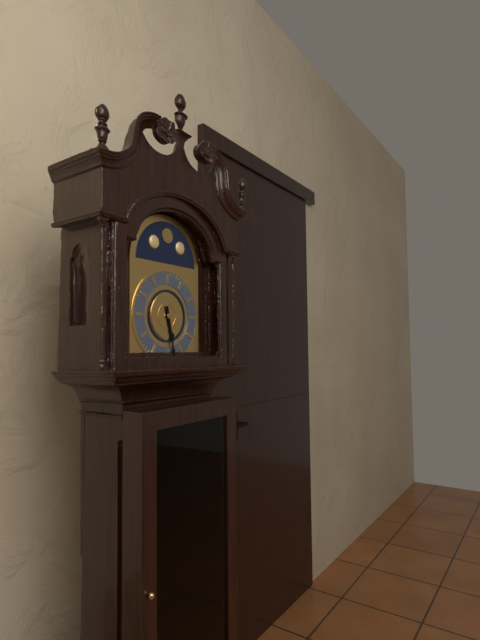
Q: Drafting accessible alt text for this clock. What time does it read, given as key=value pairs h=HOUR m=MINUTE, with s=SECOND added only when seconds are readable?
h=5 m=28
